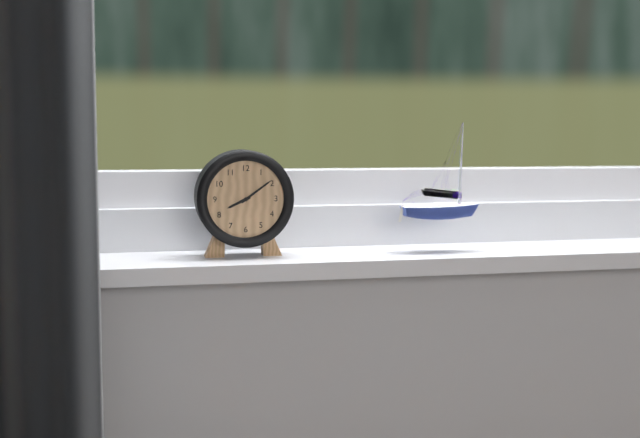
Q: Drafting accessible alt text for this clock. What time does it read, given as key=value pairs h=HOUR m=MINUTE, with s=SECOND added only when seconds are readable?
h=8 m=9
